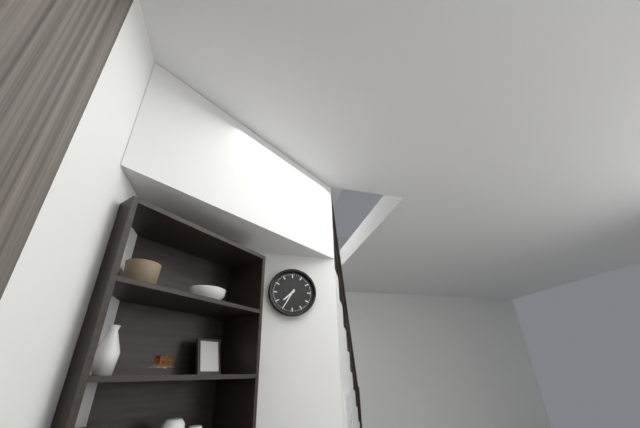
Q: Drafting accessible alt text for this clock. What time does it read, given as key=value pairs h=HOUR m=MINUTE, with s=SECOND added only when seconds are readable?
h=7 m=35
